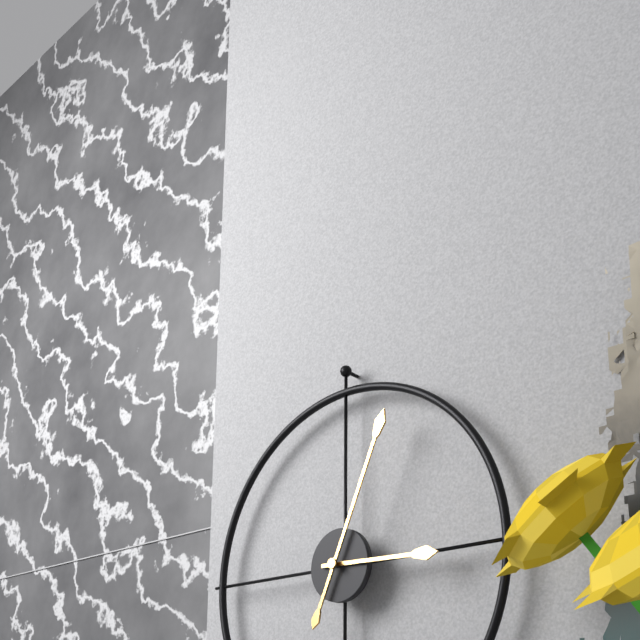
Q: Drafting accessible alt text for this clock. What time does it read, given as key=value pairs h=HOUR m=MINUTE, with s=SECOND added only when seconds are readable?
h=3 m=4
